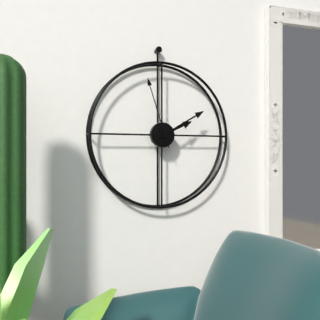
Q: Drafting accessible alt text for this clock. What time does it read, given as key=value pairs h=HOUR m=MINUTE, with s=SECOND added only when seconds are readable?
h=2 m=10 s=57
